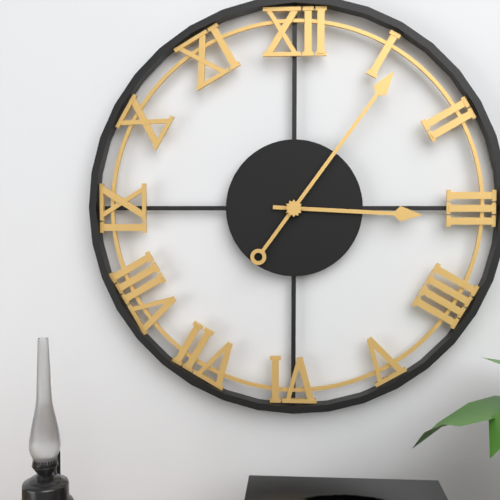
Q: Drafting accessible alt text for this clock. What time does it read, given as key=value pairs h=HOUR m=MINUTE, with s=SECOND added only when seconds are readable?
h=3 m=6
